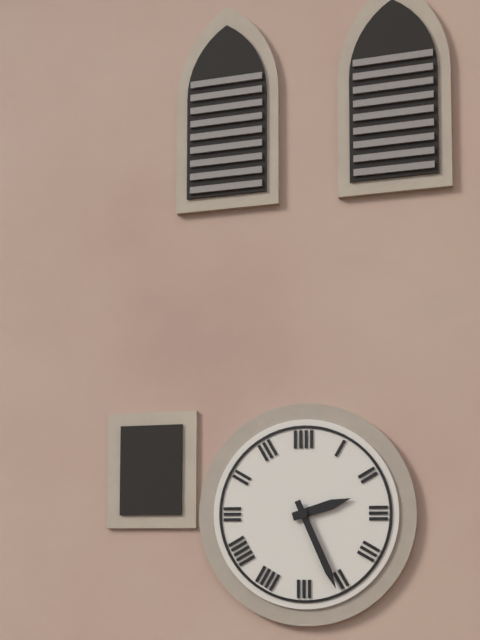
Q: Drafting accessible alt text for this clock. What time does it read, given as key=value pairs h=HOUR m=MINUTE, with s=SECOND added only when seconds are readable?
h=2 m=26
